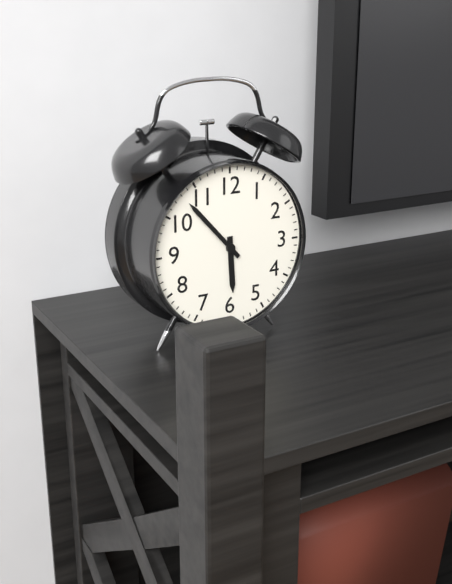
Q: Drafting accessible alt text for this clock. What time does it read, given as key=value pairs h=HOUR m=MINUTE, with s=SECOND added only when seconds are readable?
h=5 m=53
